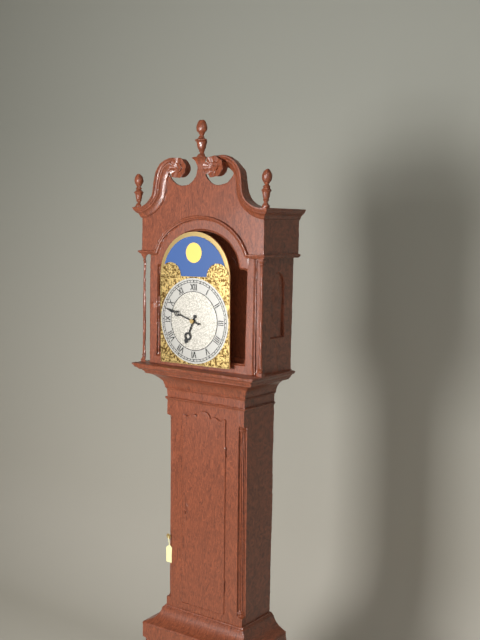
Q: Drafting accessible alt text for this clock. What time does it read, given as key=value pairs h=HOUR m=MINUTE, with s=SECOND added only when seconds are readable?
h=6 m=48
